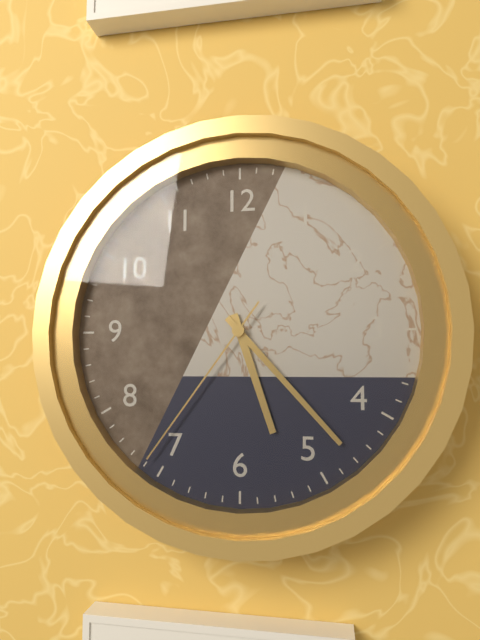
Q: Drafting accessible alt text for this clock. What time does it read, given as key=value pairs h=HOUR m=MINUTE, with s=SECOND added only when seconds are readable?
h=5 m=23 s=36
